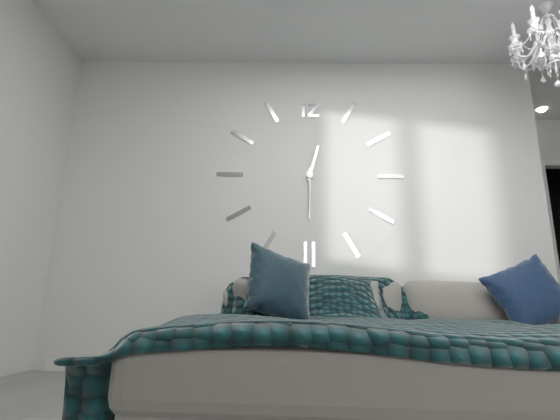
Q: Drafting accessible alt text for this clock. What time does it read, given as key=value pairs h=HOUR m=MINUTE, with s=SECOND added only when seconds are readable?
h=12 m=30
